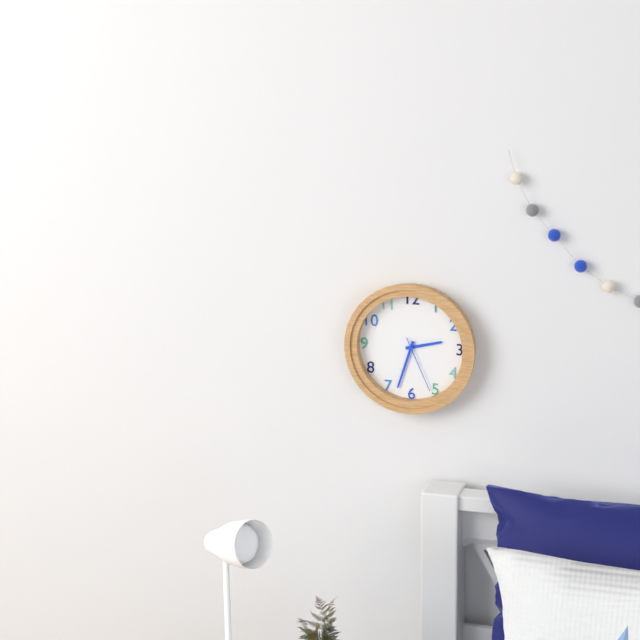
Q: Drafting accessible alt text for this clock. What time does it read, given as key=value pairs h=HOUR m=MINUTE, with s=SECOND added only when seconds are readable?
h=2 m=33 s=26
